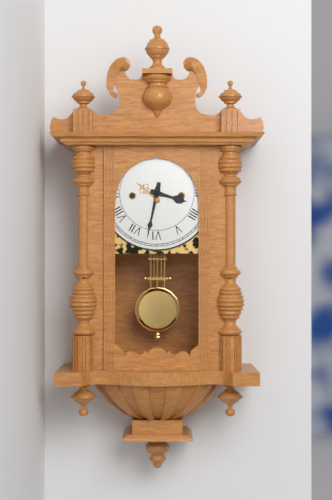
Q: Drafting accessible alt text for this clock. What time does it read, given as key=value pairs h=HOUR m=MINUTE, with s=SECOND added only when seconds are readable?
h=3 m=32
